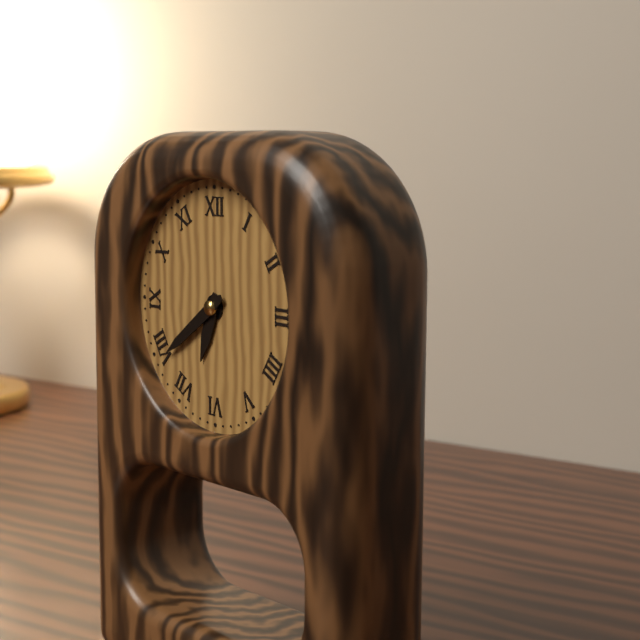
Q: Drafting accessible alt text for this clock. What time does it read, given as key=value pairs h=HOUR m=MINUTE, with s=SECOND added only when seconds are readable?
h=6 m=39
